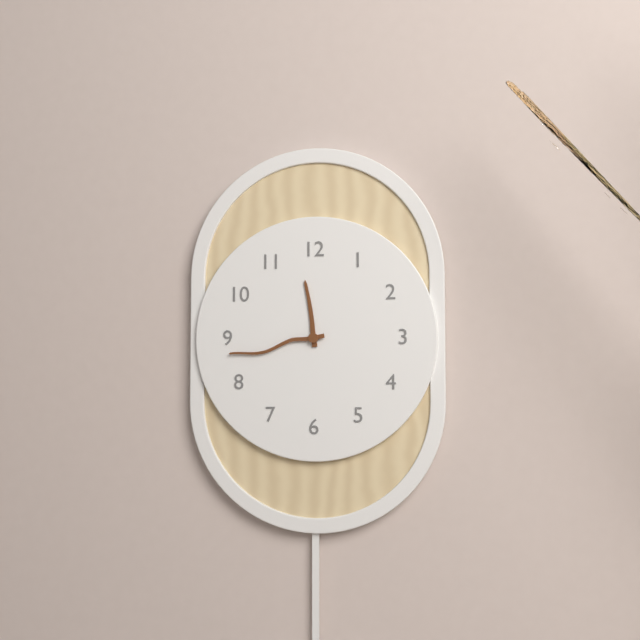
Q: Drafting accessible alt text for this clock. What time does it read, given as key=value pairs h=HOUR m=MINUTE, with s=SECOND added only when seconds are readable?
h=11 m=43
